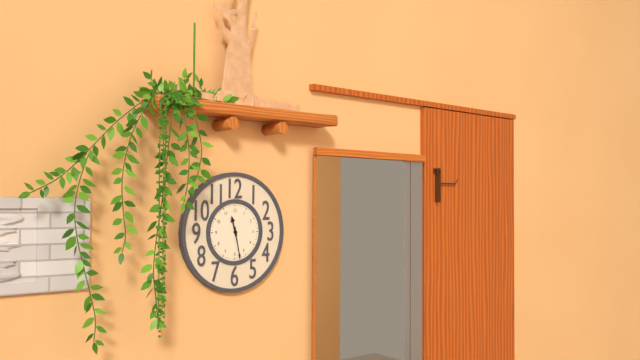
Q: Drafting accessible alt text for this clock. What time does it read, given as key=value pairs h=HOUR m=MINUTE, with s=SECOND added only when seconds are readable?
h=11 m=28
